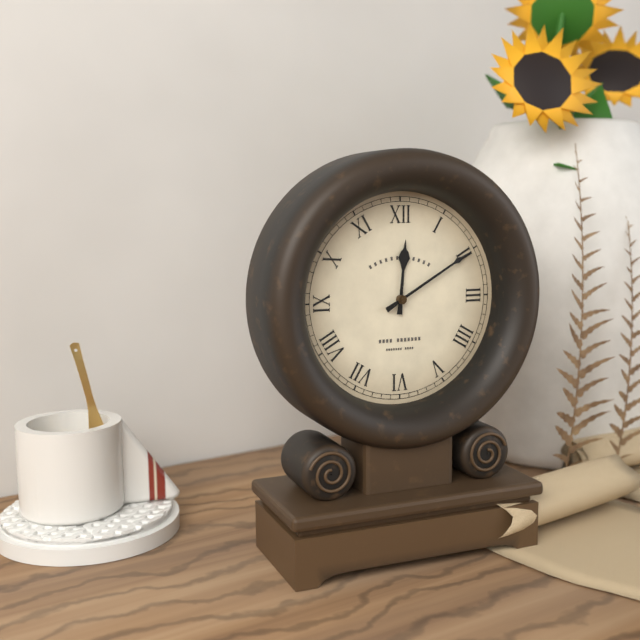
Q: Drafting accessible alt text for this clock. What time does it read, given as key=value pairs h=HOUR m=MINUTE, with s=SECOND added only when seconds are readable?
h=12 m=10
